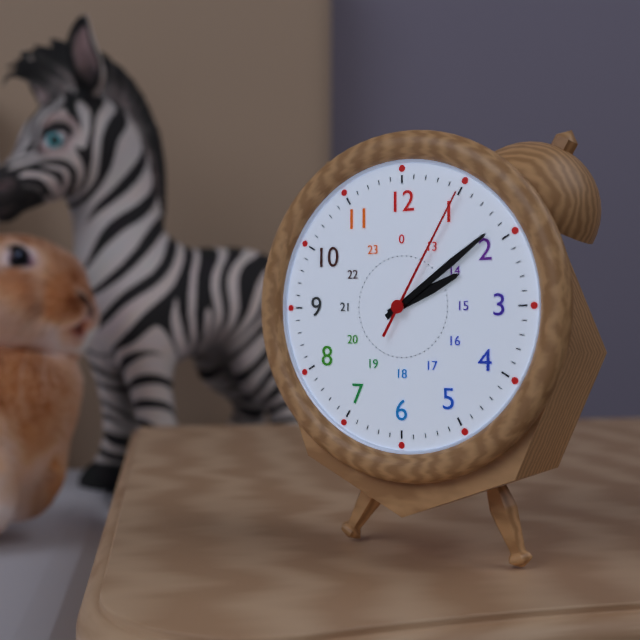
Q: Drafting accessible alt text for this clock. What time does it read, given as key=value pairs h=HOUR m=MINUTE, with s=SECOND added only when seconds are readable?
h=2 m=9 s=5
